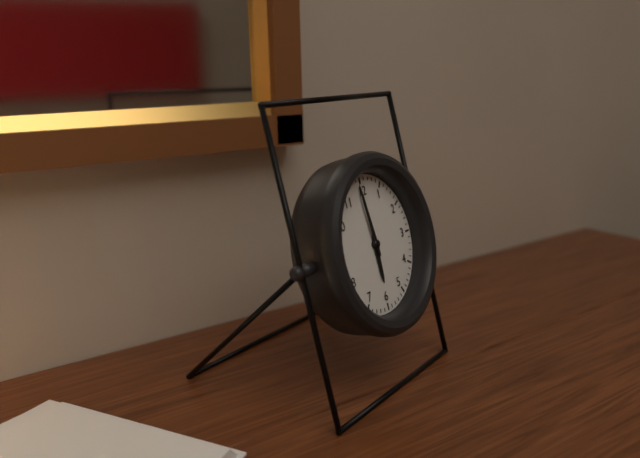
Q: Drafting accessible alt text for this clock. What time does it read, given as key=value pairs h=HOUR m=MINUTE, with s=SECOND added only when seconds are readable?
h=5 m=59
